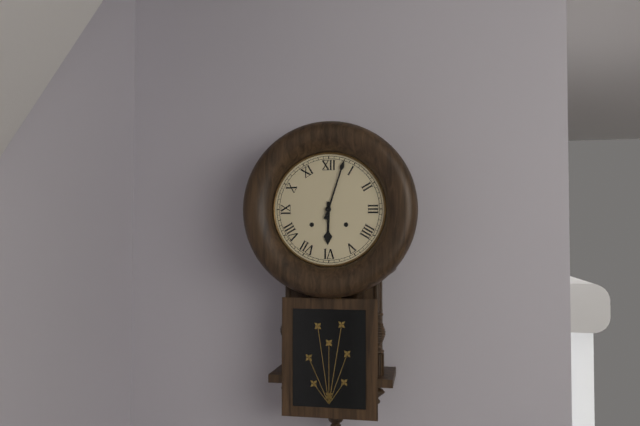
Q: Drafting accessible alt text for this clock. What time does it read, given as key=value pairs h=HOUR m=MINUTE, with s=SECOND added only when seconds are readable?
h=6 m=3
